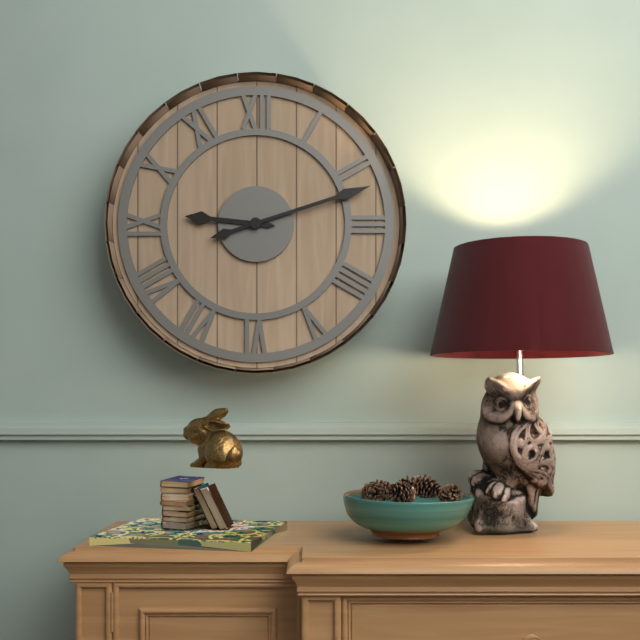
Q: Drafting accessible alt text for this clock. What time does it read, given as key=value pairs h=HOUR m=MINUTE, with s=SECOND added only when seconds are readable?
h=9 m=12
